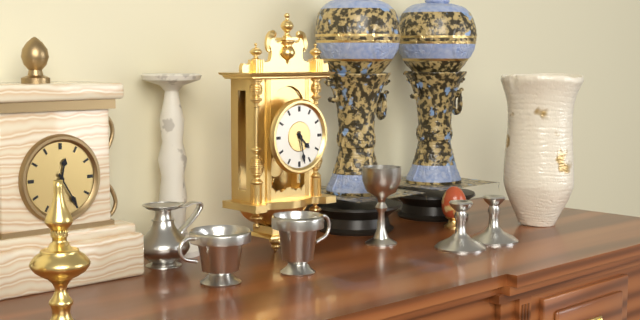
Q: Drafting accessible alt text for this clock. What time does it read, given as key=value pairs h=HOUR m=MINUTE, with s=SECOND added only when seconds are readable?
h=4 m=28
